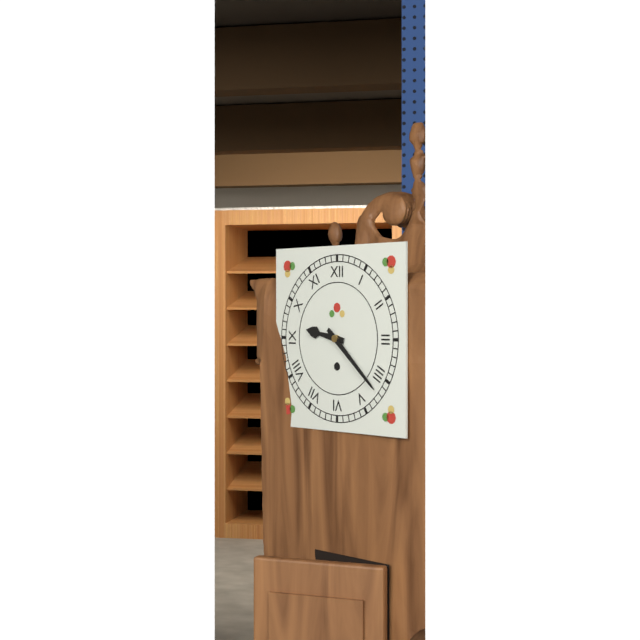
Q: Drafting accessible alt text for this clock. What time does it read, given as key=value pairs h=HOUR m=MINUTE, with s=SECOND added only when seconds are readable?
h=9 m=22
